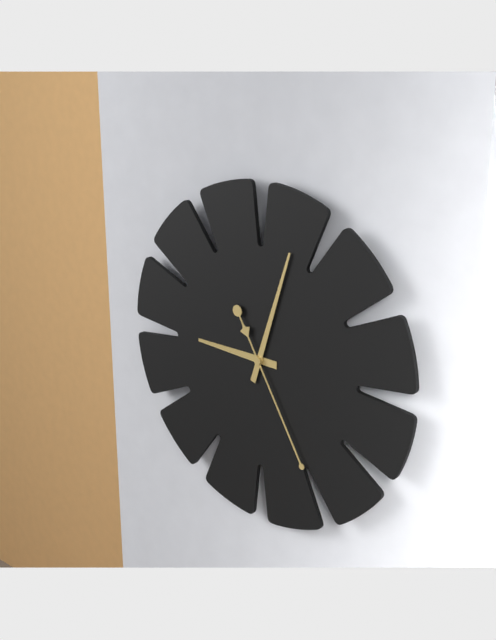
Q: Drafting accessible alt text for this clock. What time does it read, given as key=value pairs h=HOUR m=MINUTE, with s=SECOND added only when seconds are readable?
h=9 m=3 s=25
